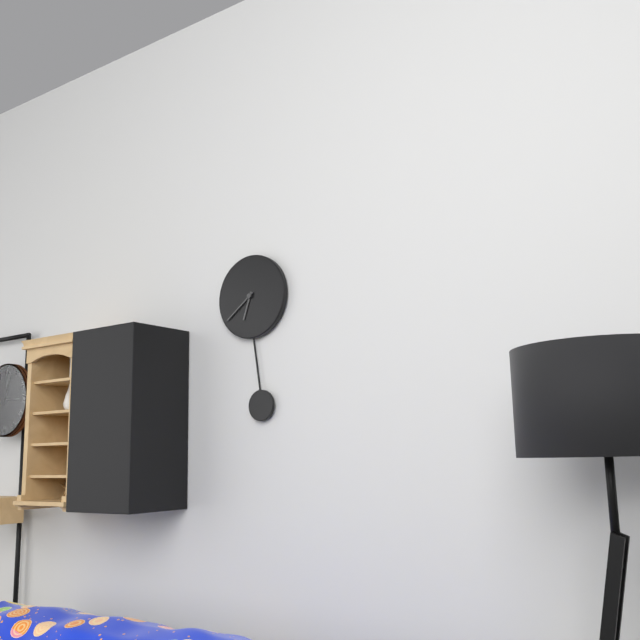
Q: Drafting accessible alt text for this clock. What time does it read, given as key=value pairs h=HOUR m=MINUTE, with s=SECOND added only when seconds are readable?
h=6 m=39
